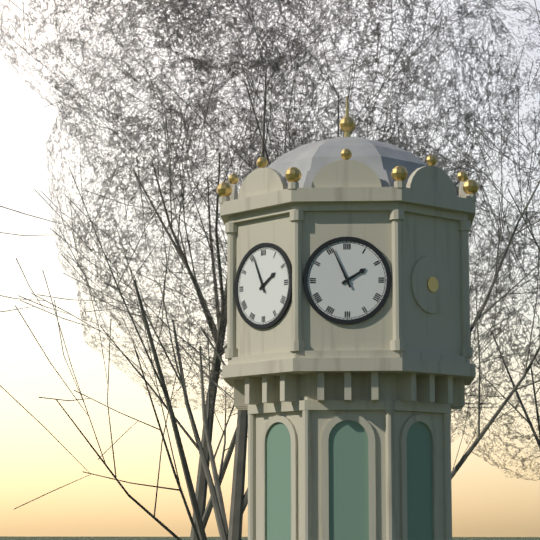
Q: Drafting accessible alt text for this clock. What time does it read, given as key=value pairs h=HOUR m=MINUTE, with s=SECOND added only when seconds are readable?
h=1 m=56
